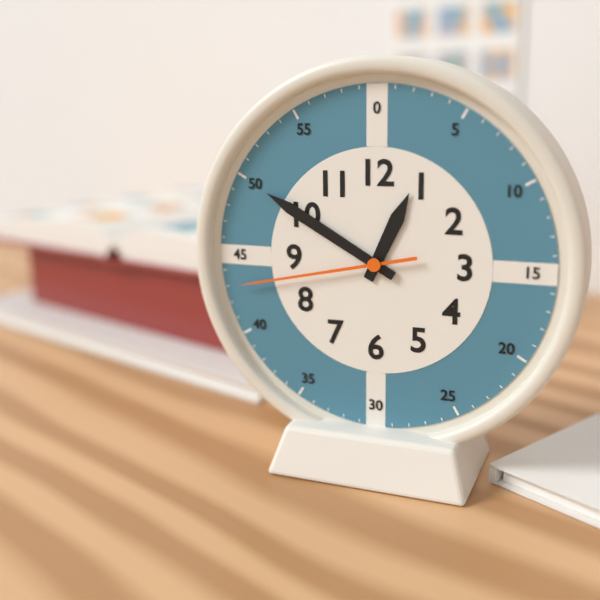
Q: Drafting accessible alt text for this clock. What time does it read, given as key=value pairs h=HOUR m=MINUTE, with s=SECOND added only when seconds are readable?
h=12 m=50 s=43
